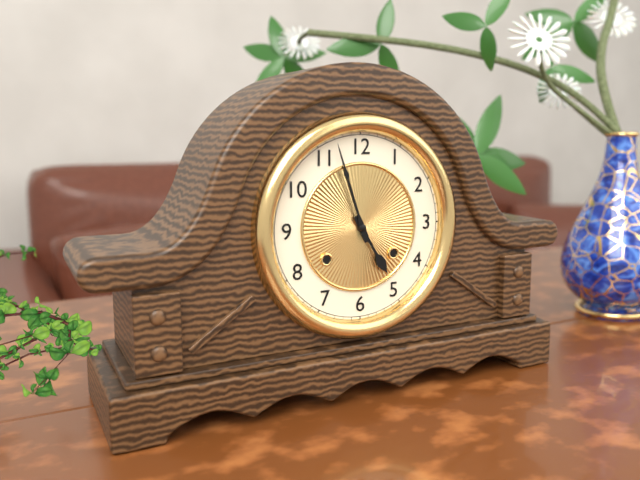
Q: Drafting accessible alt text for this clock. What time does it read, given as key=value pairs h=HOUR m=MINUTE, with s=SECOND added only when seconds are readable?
h=4 m=57
